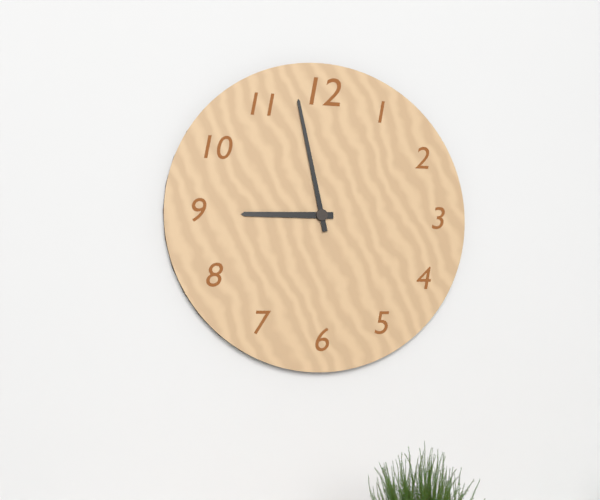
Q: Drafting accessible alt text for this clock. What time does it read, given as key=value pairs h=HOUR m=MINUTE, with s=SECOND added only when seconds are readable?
h=8 m=58
